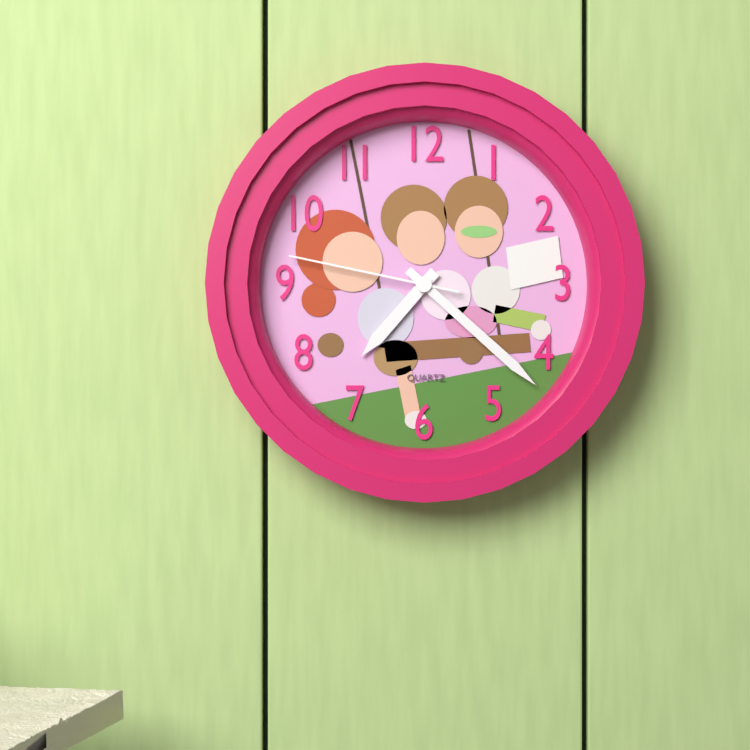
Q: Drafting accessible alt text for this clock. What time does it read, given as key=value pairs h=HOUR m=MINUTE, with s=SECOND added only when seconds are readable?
h=7 m=22 s=47
